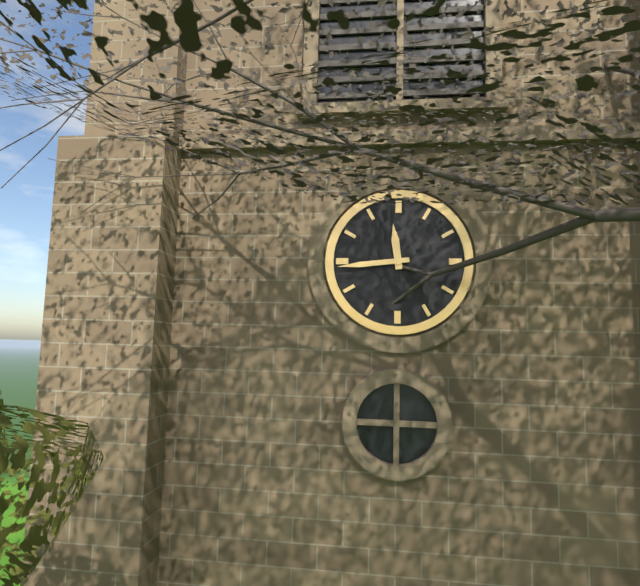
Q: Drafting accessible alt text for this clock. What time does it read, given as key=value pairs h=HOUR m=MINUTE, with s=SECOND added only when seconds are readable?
h=11 m=44
